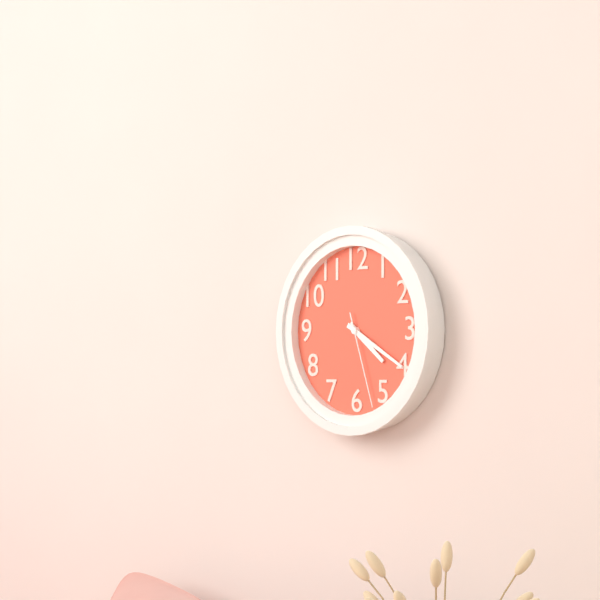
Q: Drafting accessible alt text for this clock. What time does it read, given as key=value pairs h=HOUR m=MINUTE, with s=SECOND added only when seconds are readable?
h=4 m=20 s=27
